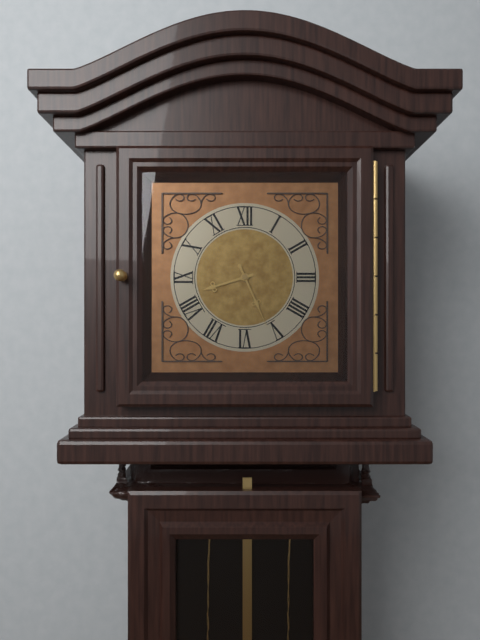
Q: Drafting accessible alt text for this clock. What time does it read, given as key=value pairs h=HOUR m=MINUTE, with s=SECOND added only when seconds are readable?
h=8 m=26
